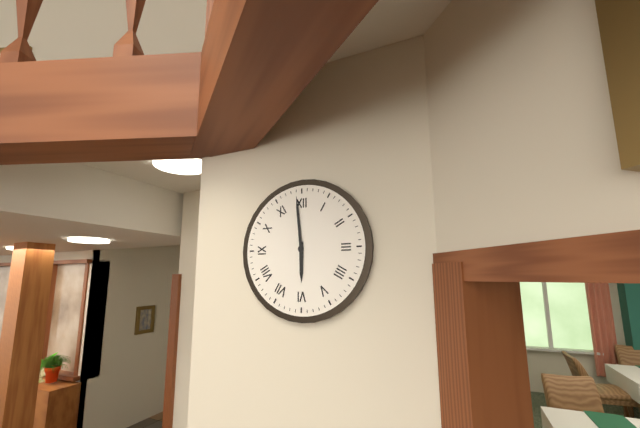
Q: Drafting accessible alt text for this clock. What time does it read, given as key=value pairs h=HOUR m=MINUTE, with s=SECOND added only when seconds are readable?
h=5 m=59
